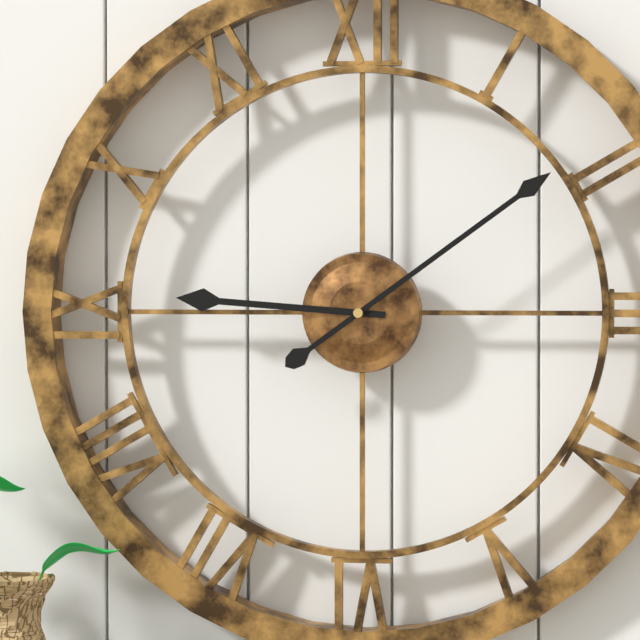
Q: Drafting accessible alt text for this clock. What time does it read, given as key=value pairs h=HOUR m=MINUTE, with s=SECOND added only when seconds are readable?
h=9 m=9
